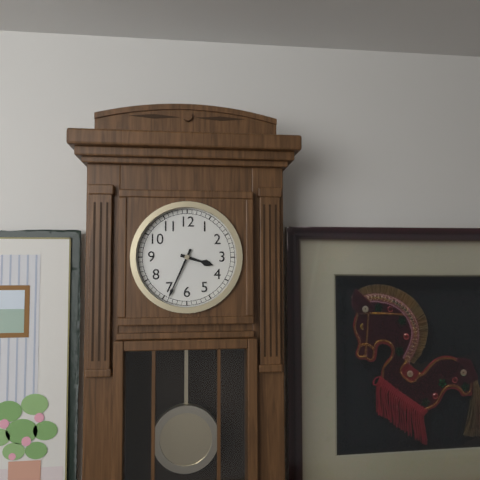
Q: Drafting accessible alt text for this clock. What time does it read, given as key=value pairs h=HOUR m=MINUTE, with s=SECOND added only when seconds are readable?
h=3 m=34
